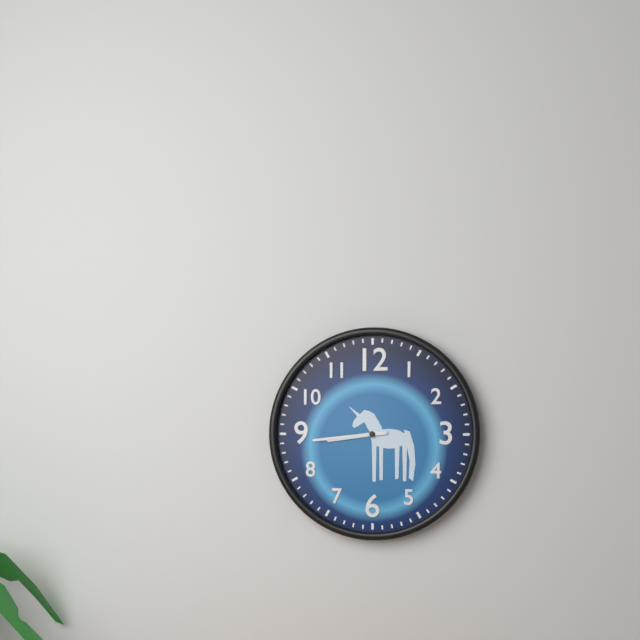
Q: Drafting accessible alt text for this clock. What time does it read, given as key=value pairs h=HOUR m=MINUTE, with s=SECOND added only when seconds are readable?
h=8 m=44
